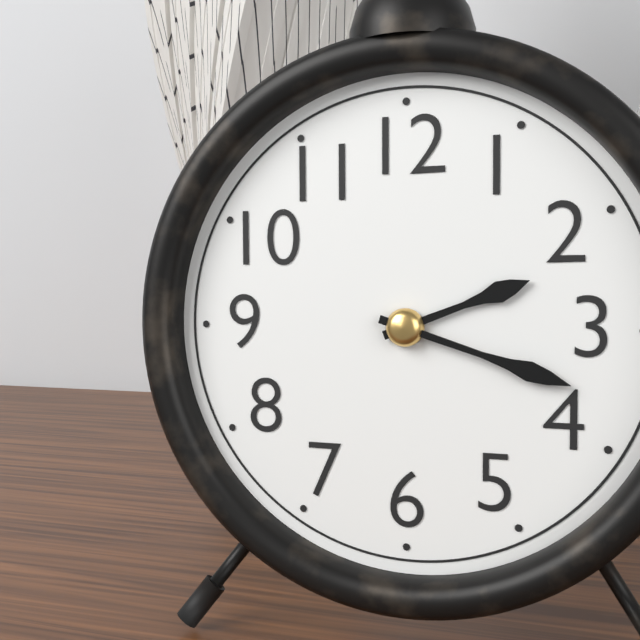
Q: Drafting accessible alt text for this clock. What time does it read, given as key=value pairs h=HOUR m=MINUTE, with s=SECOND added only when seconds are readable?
h=2 m=18
